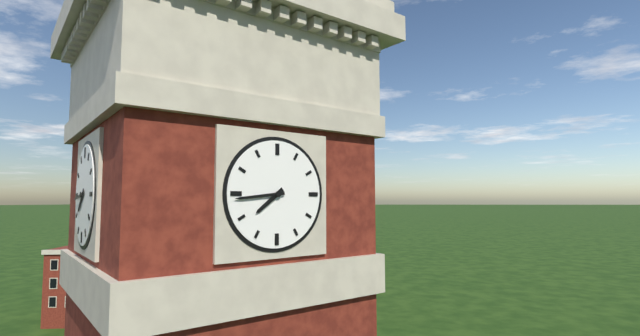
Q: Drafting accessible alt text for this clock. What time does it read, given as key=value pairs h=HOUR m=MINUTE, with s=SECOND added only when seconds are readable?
h=7 m=44
